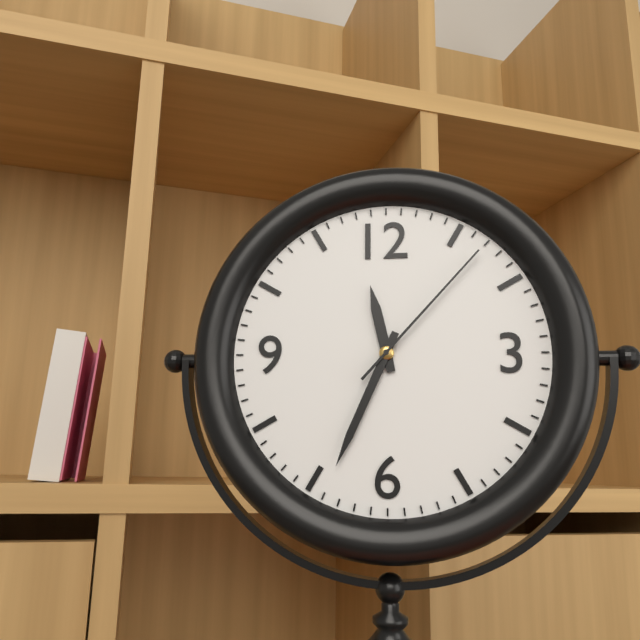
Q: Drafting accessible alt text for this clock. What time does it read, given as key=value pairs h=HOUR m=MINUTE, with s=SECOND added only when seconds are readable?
h=11 m=34 s=7
